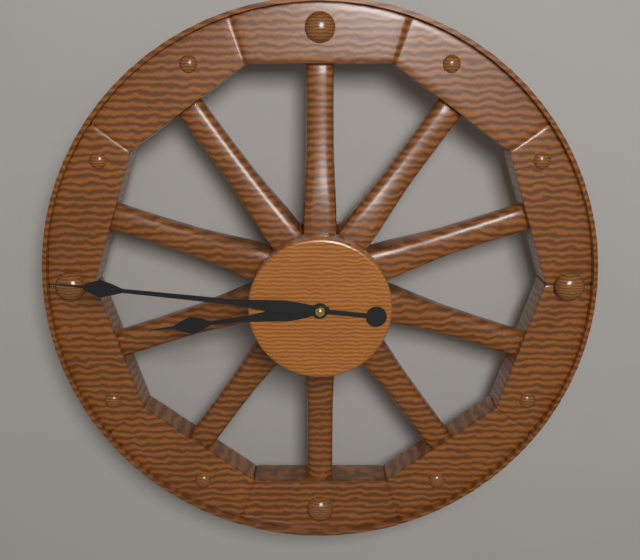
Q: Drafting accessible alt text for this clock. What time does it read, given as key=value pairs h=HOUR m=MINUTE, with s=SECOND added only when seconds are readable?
h=8 m=46
